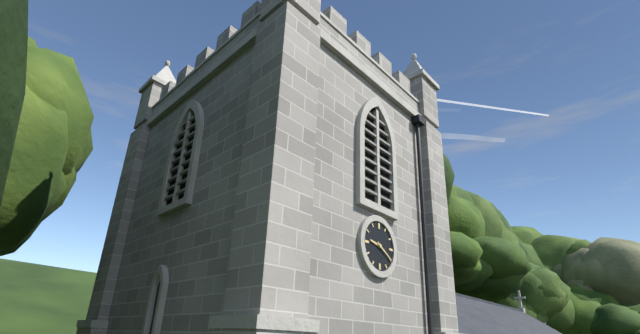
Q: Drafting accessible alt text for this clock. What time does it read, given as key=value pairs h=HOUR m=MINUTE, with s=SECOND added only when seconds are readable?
h=9 m=20
